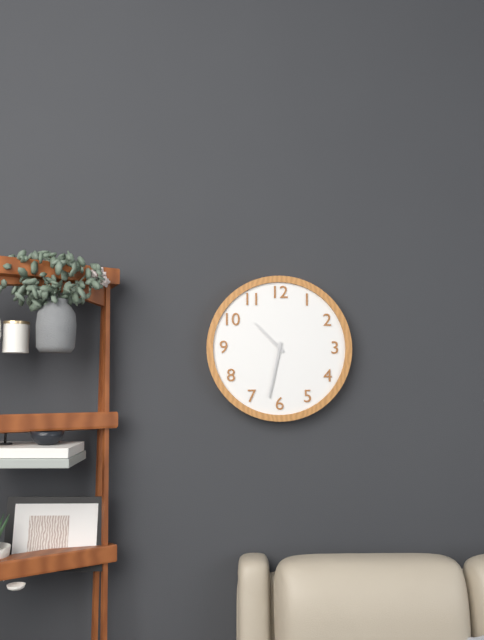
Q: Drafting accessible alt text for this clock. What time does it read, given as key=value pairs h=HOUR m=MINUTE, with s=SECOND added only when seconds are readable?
h=10 m=32
